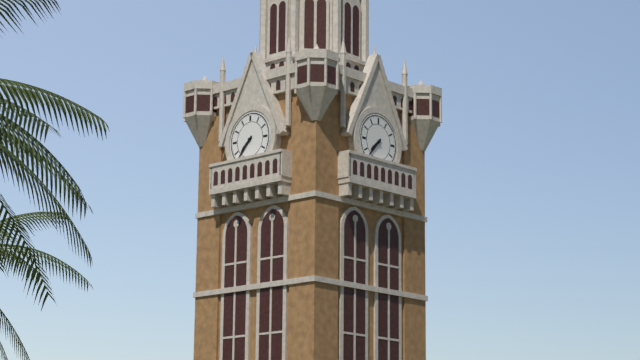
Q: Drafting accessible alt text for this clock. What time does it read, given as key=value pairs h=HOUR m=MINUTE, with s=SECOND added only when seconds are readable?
h=7 m=37
